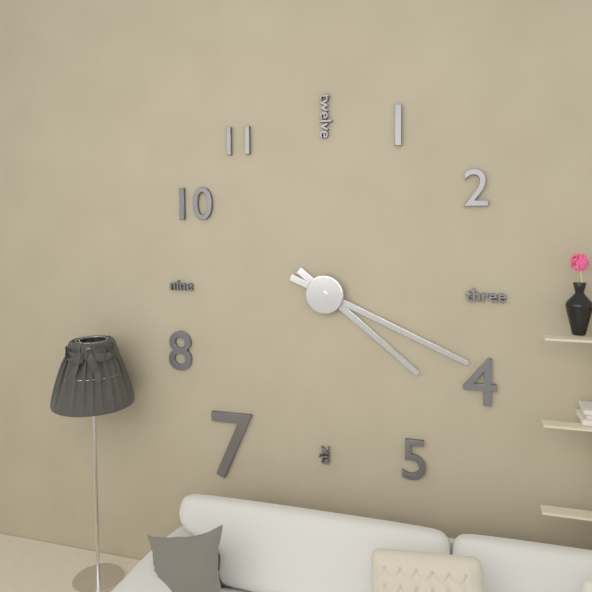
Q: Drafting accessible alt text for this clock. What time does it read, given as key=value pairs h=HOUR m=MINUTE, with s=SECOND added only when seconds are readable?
h=4 m=19
